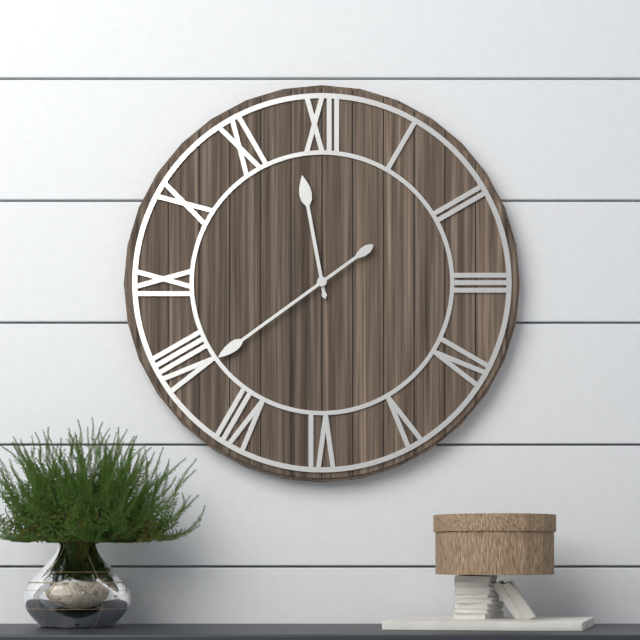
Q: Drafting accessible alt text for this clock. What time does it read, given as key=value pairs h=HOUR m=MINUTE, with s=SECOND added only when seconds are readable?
h=11 m=39
